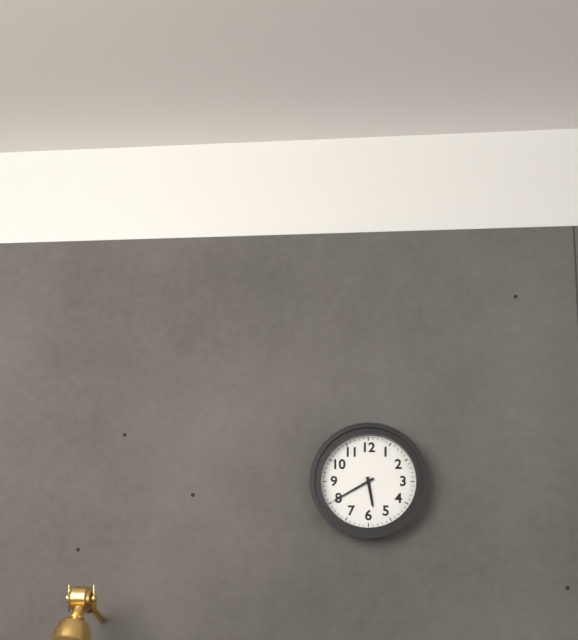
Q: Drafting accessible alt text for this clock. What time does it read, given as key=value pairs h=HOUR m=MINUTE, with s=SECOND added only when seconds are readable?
h=5 m=40
